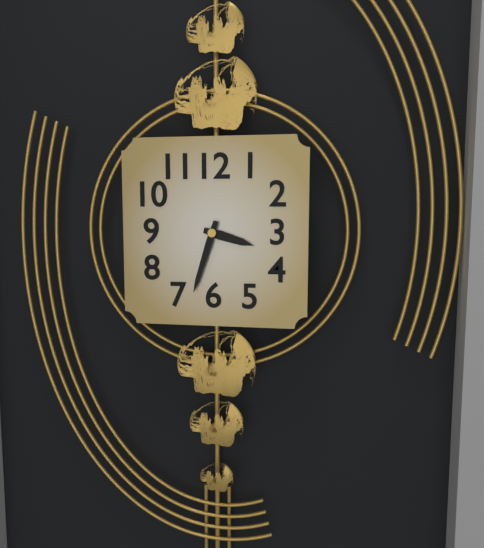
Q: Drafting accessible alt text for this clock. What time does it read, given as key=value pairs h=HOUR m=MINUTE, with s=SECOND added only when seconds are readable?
h=3 m=33
